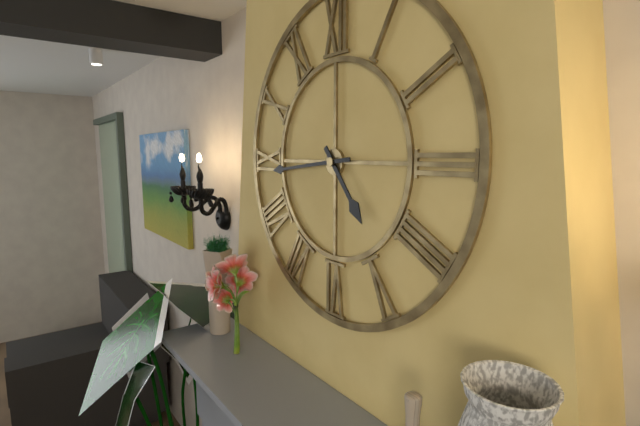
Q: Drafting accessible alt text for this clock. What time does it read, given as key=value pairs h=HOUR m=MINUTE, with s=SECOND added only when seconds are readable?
h=4 m=44
